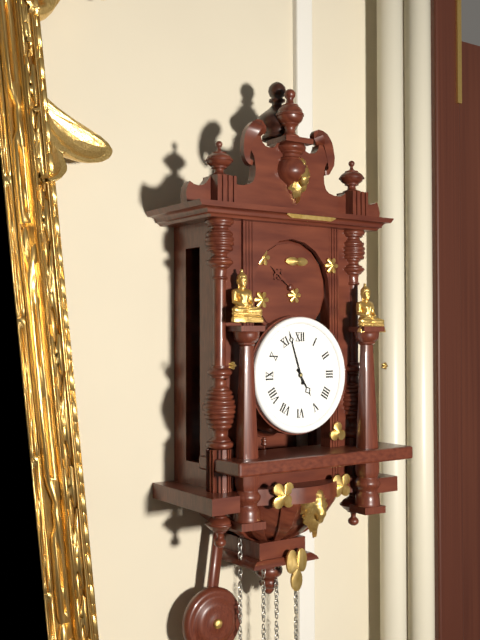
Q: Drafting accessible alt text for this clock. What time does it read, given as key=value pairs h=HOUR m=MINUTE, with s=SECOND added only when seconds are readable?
h=4 m=57
